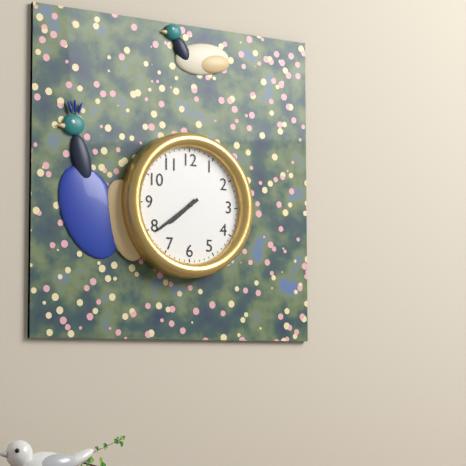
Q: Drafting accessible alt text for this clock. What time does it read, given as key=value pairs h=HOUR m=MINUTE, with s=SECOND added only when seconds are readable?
h=7 m=39
